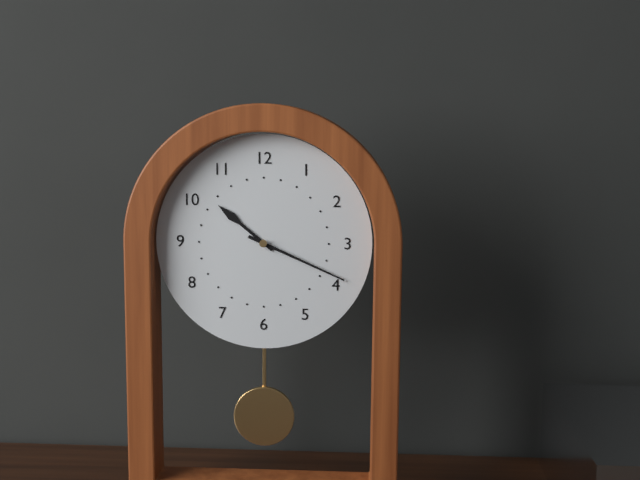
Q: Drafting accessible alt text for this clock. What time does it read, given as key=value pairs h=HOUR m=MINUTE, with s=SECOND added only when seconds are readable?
h=10 m=19
